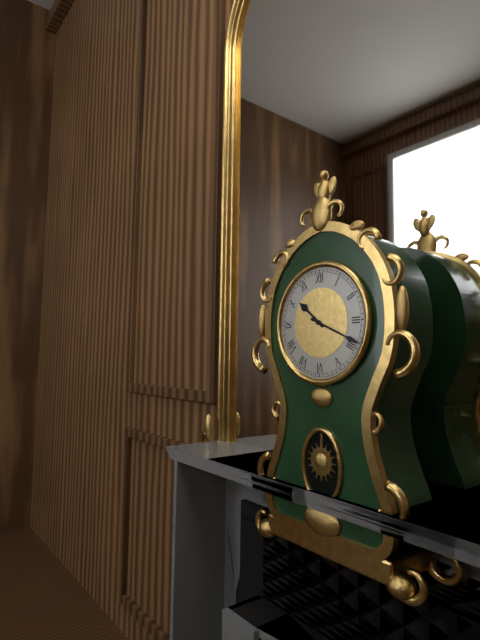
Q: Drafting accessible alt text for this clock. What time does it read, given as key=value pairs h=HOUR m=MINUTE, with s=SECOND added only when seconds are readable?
h=10 m=19
